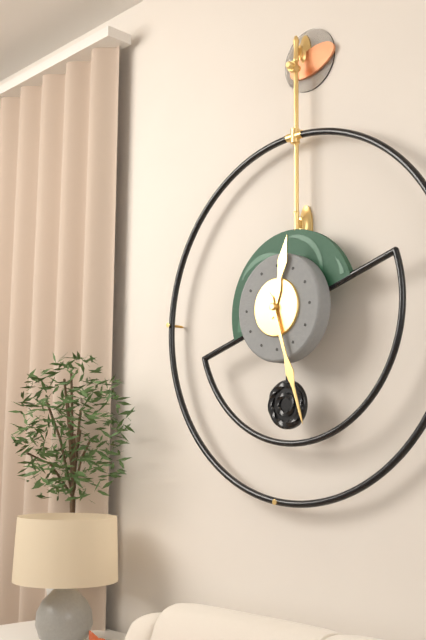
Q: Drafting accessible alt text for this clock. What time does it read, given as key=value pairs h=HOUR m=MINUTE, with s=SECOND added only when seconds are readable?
h=12 m=27
